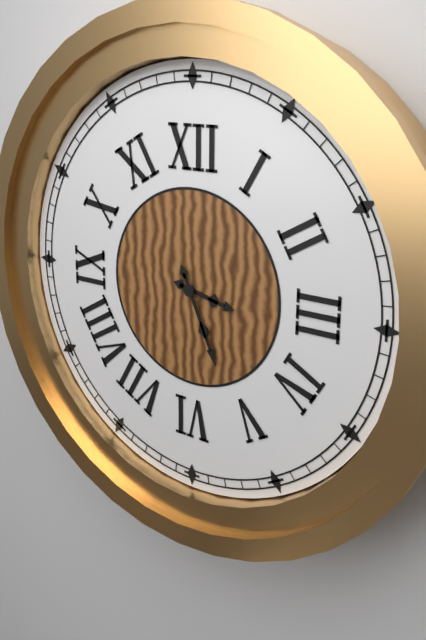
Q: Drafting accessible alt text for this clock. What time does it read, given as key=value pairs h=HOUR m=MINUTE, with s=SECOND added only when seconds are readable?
h=3 m=26
